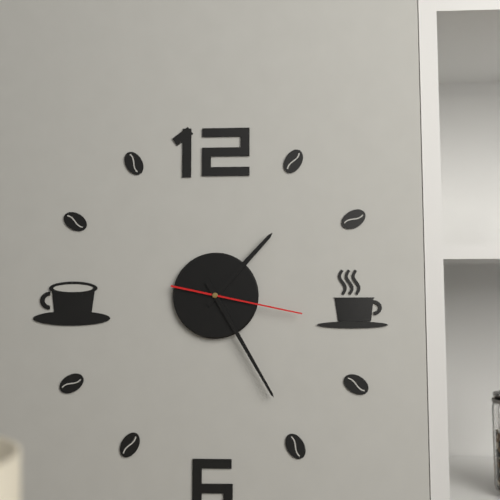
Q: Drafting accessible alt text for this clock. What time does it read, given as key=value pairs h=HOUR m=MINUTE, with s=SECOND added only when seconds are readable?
h=1 m=25 s=17
